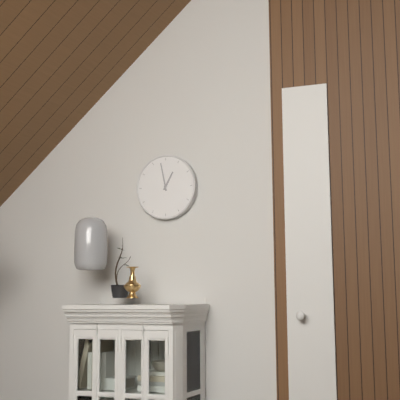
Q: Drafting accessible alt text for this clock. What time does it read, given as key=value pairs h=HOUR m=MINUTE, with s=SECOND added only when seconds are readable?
h=12 m=58
